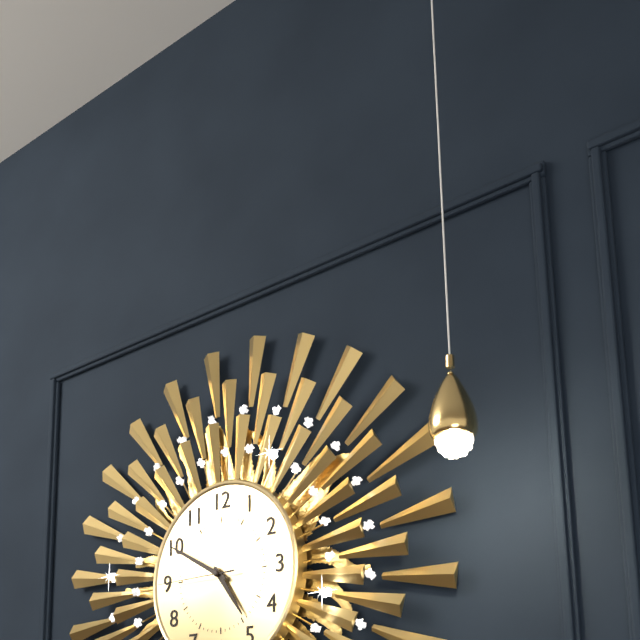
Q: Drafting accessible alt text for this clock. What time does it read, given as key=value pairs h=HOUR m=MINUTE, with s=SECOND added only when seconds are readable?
h=4 m=50 s=45
